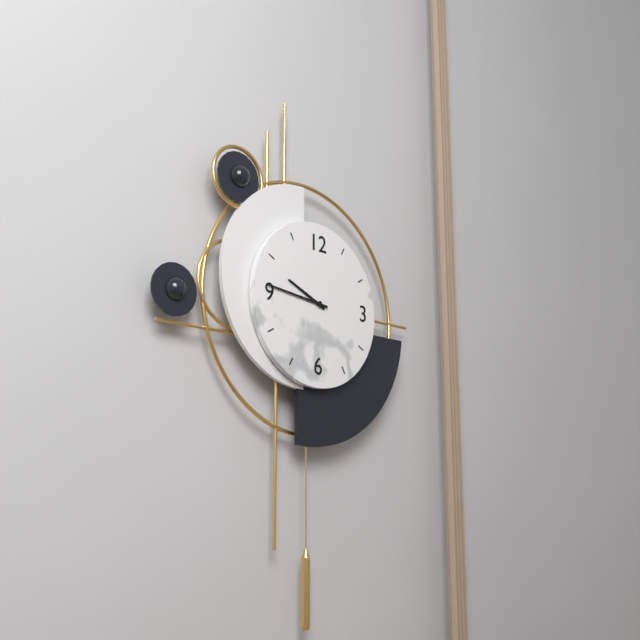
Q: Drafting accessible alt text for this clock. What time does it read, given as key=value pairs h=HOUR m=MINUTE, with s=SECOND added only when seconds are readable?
h=9 m=46
